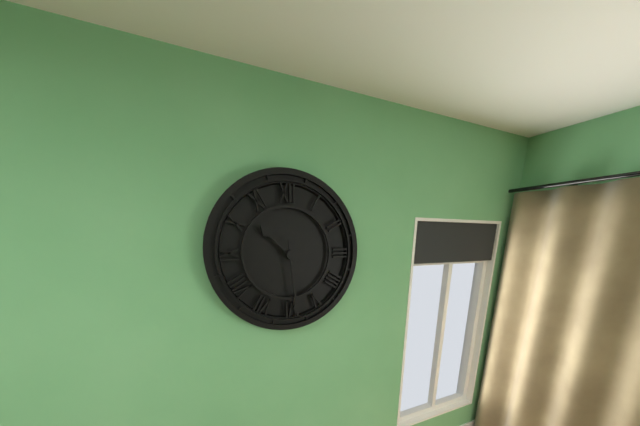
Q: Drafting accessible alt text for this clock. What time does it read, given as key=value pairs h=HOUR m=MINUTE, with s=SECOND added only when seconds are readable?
h=10 m=29
